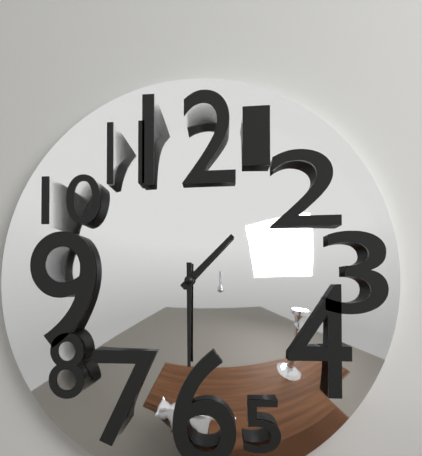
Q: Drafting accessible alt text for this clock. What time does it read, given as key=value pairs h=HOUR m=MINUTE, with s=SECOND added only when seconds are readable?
h=1 m=30
